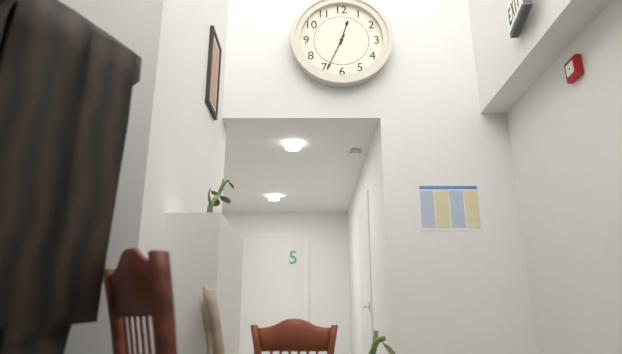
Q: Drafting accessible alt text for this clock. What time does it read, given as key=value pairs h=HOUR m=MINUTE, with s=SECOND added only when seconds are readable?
h=12 m=34
